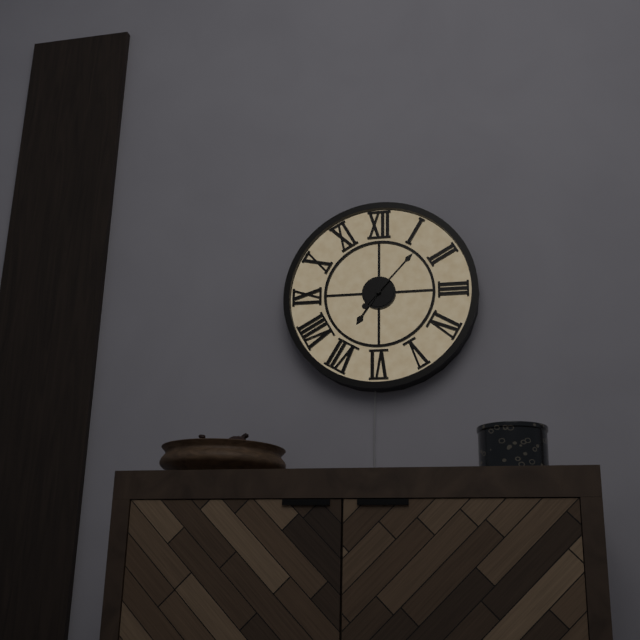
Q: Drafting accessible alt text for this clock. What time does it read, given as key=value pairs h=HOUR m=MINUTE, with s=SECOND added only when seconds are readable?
h=7 m=7
